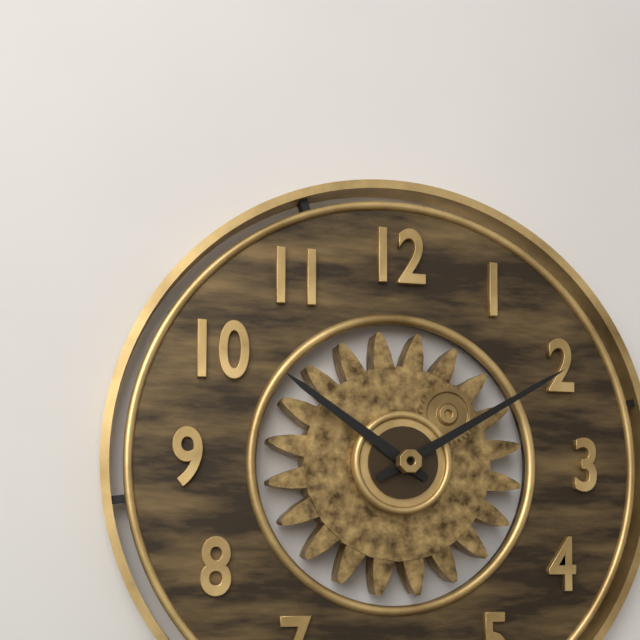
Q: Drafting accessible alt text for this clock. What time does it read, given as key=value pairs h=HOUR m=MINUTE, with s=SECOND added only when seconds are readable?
h=10 m=10
